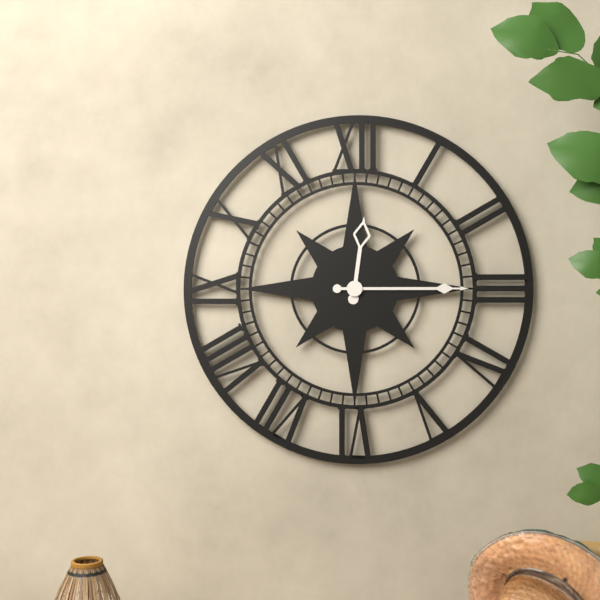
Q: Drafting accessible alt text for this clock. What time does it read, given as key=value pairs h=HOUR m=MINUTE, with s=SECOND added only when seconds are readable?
h=12 m=15
